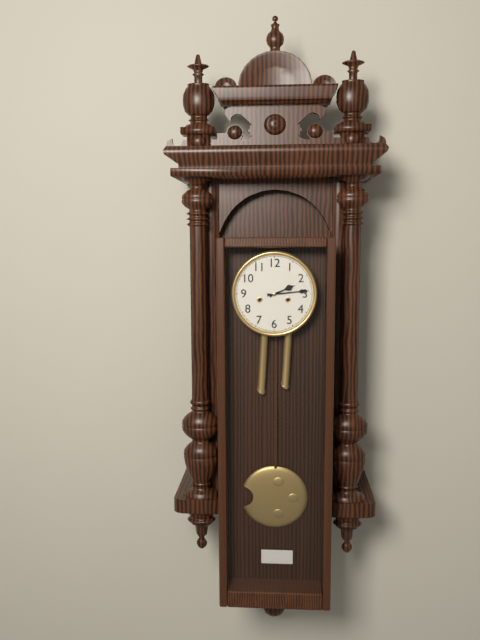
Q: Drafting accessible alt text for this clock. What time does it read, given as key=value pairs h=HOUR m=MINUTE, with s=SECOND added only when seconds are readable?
h=2 m=14
